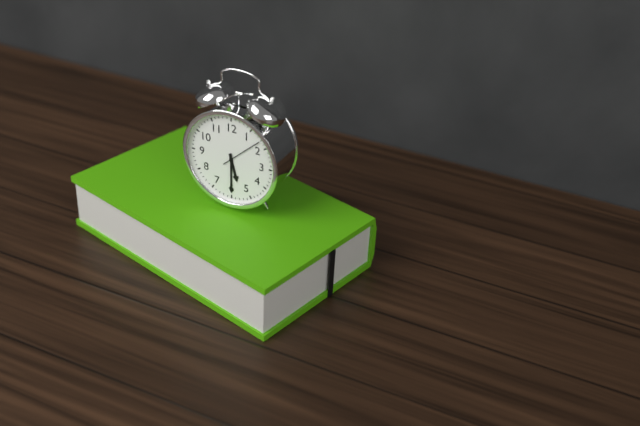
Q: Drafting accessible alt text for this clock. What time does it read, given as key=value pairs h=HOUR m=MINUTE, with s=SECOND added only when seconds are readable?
h=5 m=30
